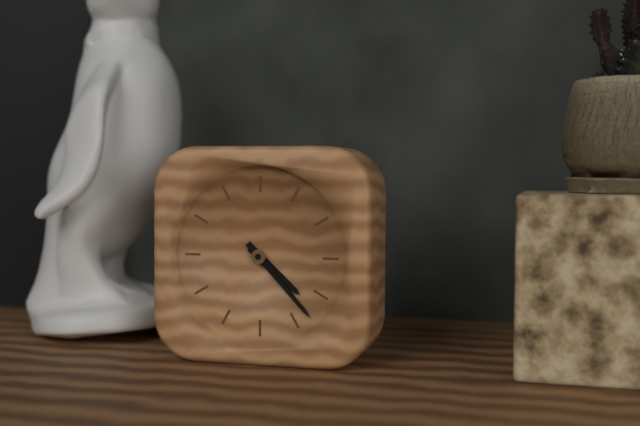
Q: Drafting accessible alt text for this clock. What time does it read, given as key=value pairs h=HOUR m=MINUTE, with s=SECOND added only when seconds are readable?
h=4 m=23
